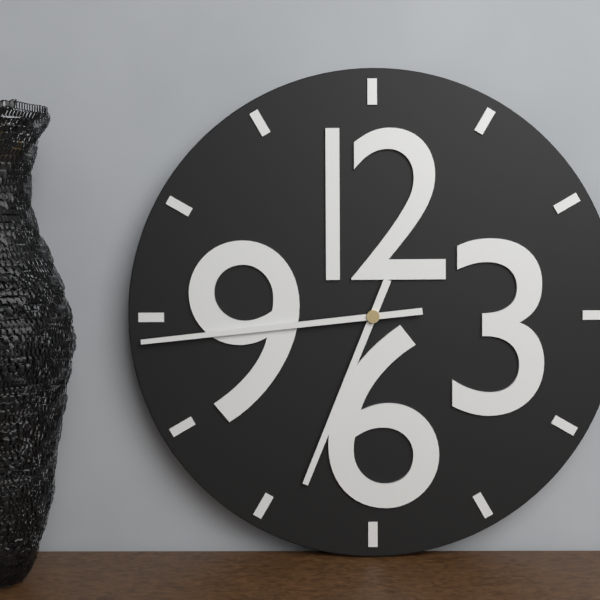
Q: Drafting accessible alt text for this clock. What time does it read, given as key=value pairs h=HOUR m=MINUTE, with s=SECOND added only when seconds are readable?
h=6 m=44
